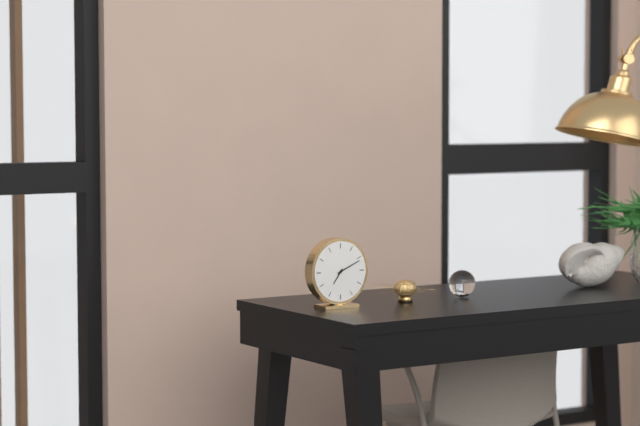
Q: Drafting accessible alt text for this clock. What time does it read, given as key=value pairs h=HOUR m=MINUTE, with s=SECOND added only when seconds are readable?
h=7 m=11
